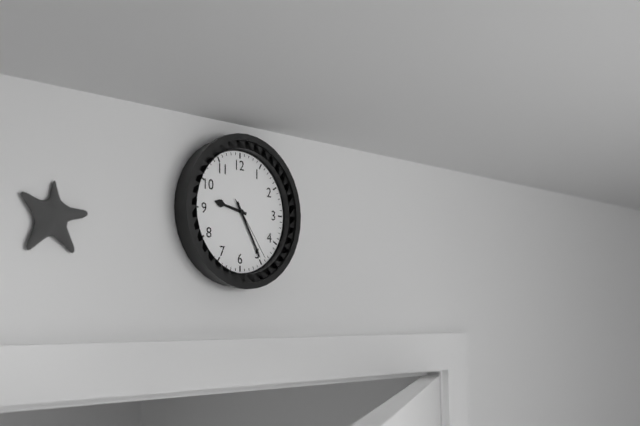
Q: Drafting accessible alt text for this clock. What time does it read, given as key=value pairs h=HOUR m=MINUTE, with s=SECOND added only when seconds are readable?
h=9 m=25 s=24
